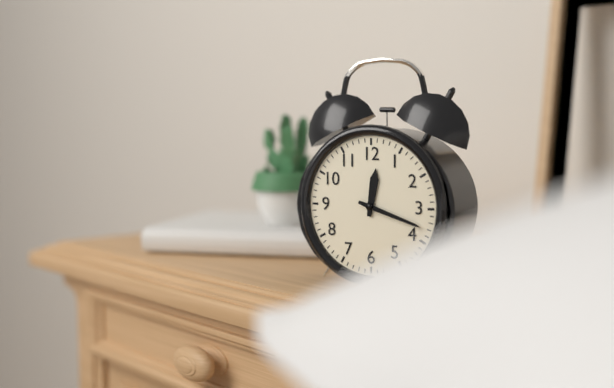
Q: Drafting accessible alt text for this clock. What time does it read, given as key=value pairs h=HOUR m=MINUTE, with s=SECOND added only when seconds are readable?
h=12 m=18
